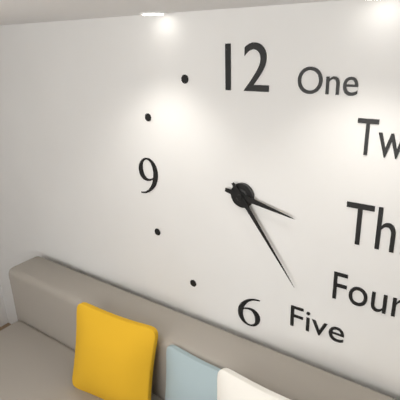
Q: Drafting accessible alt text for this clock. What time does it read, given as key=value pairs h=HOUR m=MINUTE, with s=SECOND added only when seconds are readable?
h=3 m=24
